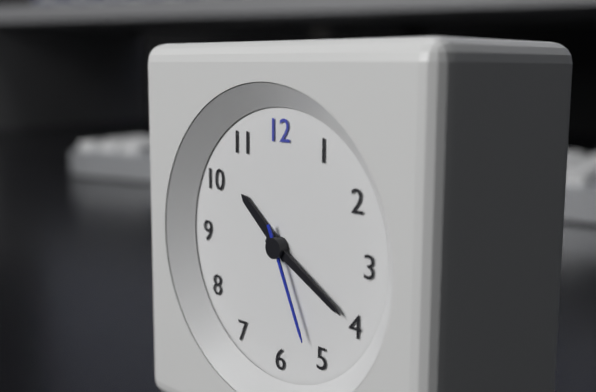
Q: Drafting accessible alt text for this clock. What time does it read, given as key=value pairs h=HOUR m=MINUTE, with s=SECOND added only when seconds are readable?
h=10 m=20 s=26
